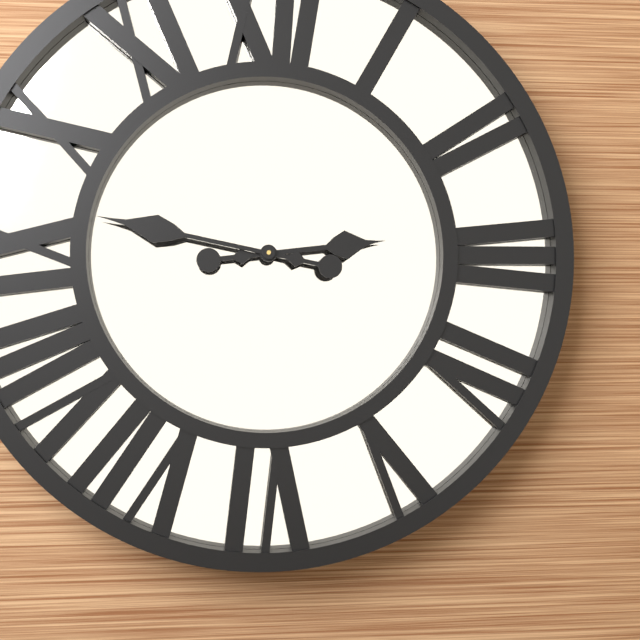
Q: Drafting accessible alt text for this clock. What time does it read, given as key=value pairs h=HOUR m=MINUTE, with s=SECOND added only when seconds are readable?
h=2 m=47
